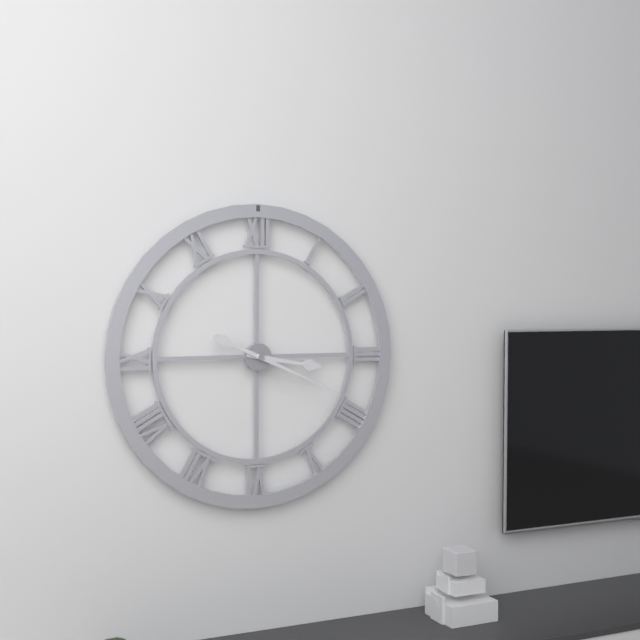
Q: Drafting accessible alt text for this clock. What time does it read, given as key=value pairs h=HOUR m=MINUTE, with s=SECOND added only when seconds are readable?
h=3 m=19
